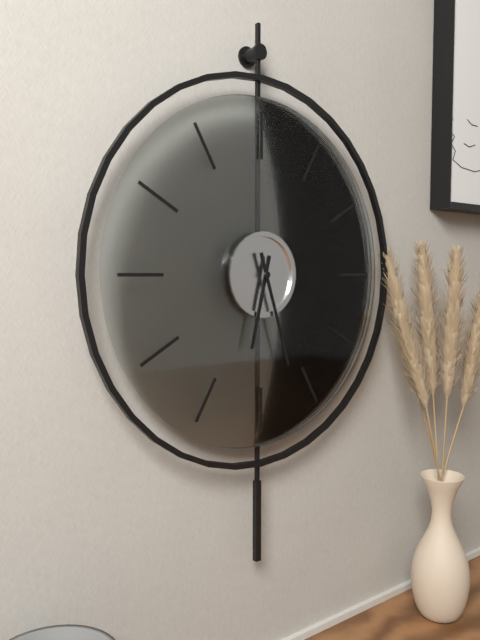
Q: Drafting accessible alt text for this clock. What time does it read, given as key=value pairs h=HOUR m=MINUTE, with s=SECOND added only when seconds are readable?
h=6 m=27
